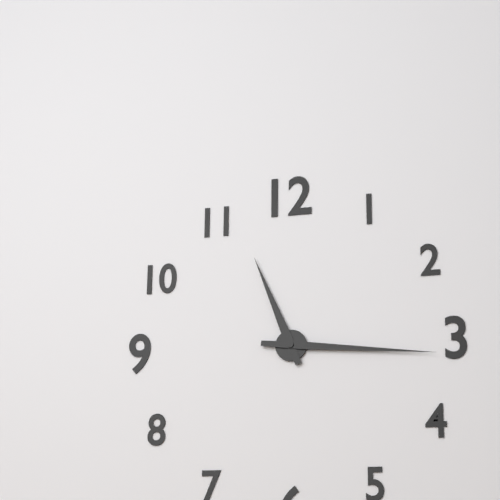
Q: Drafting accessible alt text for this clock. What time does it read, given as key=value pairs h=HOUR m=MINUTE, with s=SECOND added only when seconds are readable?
h=11 m=16
